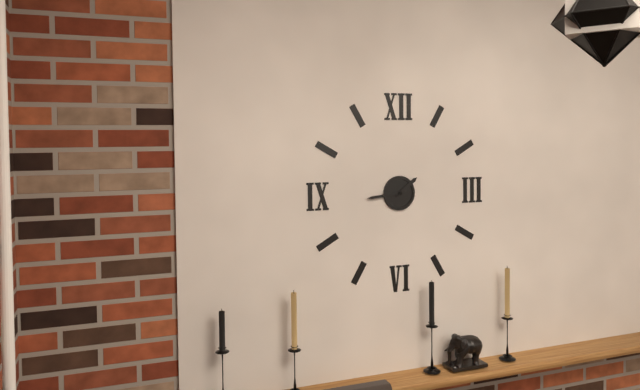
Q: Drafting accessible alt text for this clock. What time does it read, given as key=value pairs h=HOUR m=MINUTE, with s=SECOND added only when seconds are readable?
h=1 m=44
